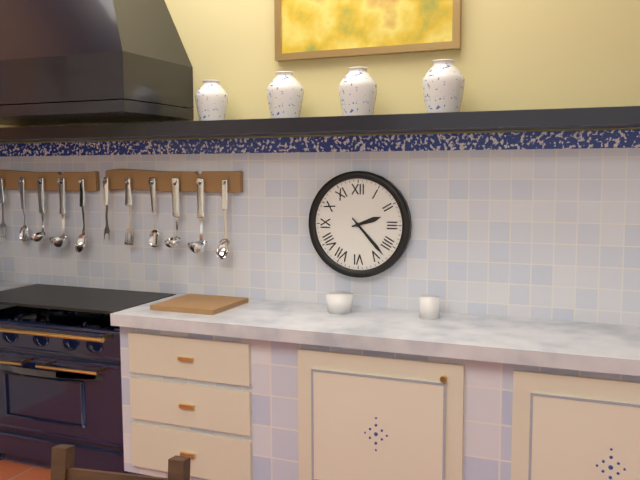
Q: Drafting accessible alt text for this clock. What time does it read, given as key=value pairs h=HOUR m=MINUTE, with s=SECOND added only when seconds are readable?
h=2 m=23
